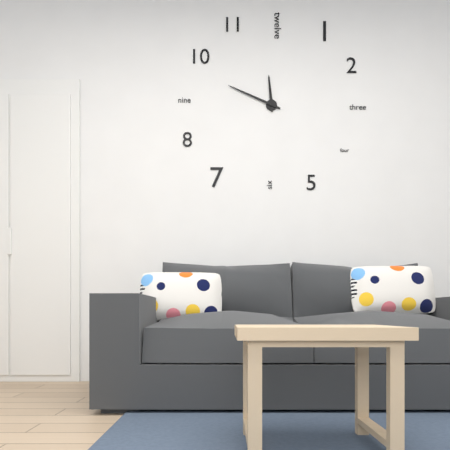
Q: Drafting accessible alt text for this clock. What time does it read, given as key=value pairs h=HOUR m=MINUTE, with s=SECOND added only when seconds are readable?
h=11 m=49
